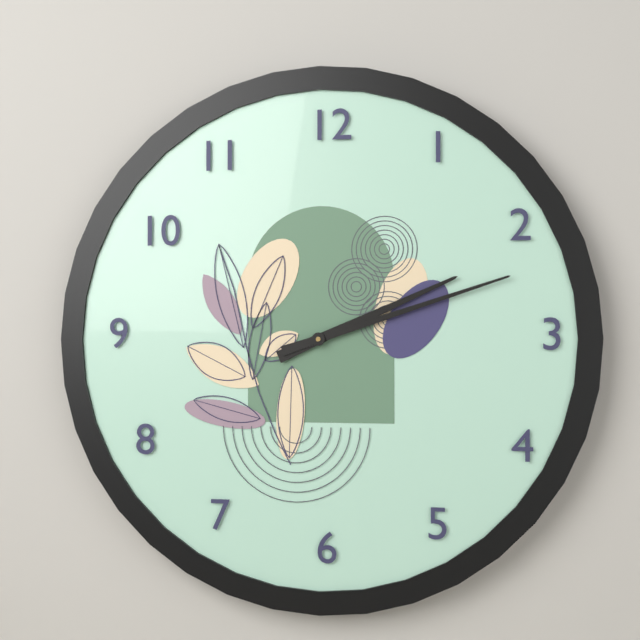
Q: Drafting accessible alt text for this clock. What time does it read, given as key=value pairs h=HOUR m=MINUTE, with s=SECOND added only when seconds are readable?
h=2 m=12
